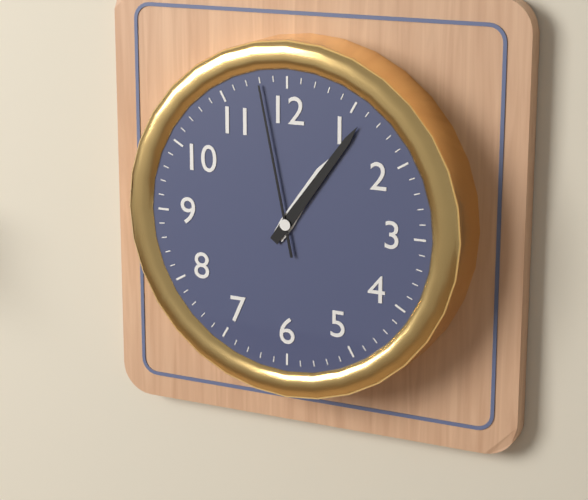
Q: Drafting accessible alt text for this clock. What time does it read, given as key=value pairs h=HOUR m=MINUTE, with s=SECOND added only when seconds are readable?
h=1 m=6 s=58
